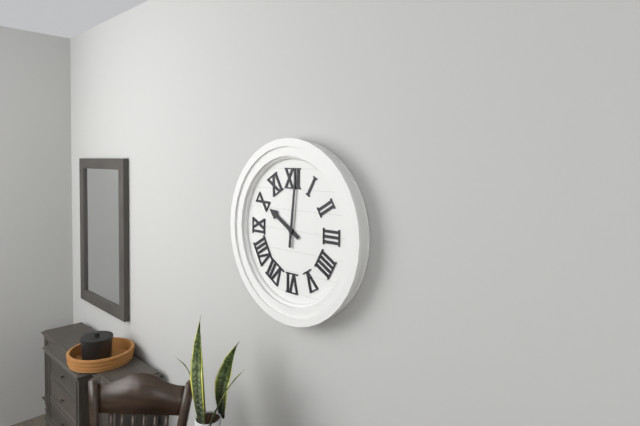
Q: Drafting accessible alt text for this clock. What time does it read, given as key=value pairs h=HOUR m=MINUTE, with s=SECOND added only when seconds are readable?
h=10 m=1
